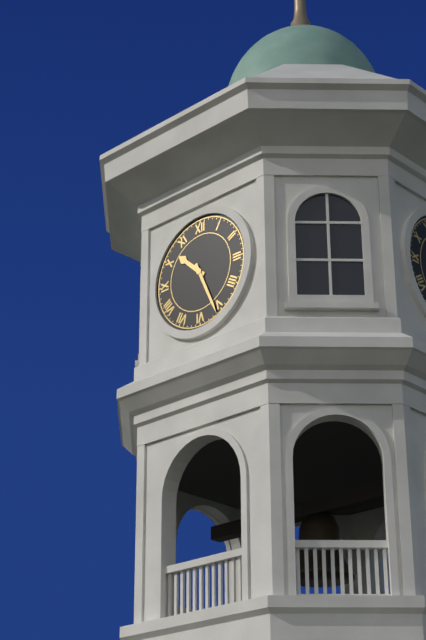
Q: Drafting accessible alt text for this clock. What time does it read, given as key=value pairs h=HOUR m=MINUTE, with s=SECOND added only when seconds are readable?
h=10 m=26
